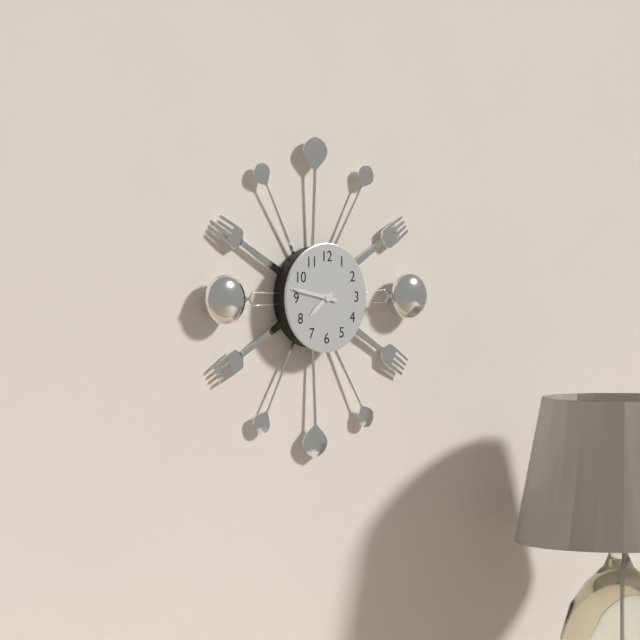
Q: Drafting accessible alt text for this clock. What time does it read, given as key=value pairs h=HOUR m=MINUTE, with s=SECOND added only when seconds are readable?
h=7 m=47
